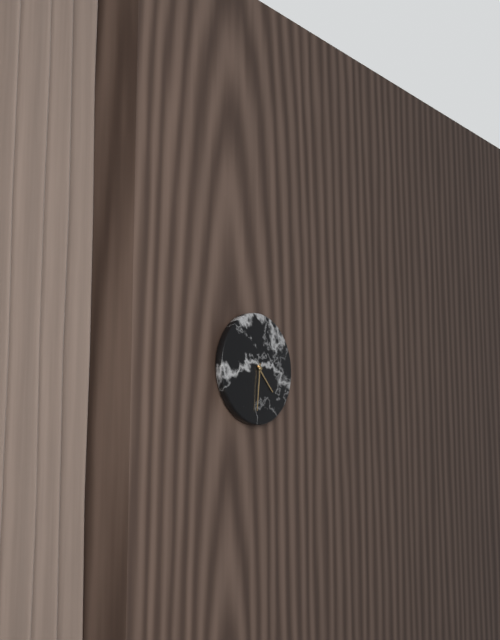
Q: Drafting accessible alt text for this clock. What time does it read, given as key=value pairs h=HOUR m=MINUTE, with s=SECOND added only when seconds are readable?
h=4 m=31
